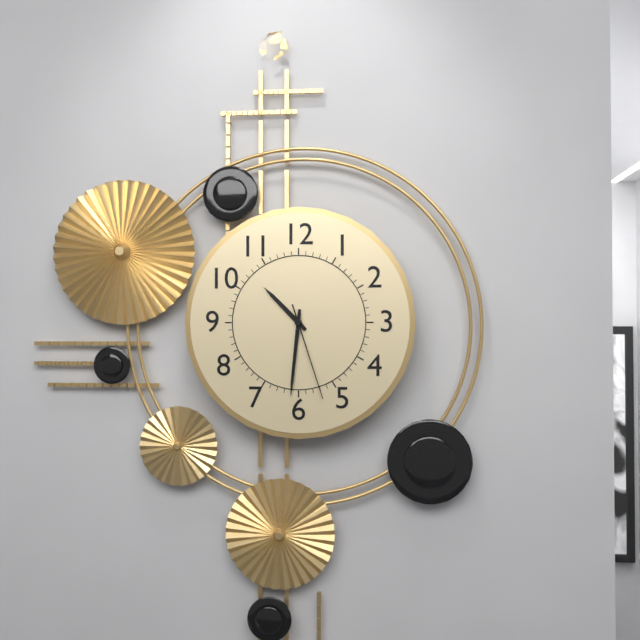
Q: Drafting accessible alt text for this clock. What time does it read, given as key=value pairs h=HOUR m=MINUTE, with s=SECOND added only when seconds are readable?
h=10 m=31 s=27
